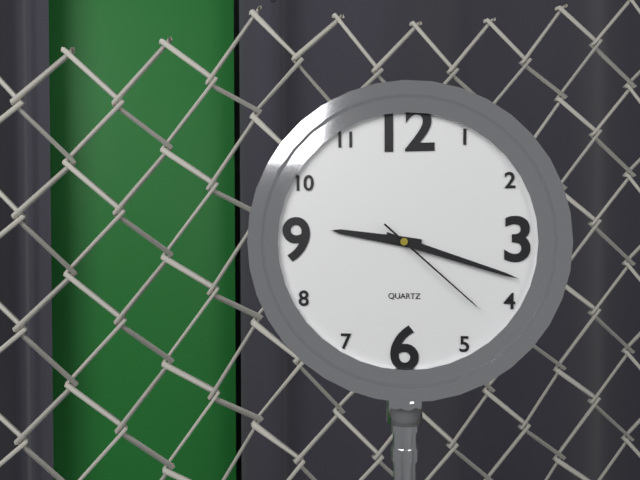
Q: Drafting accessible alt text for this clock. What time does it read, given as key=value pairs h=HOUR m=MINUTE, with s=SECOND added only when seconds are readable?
h=9 m=18 s=22
